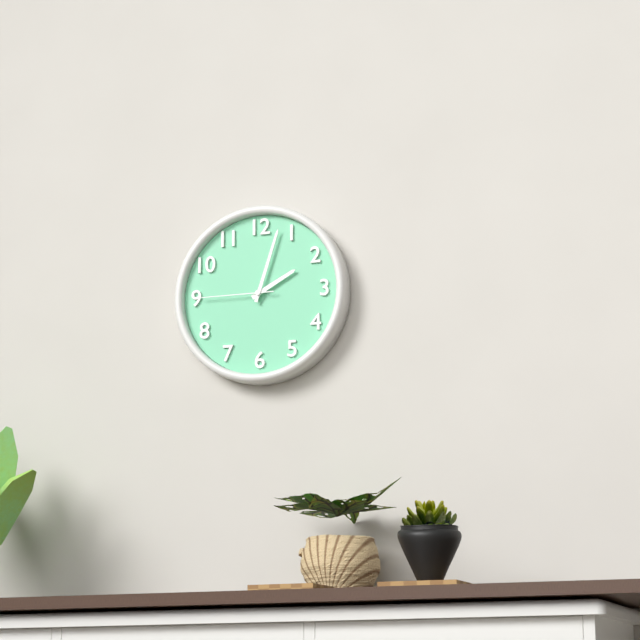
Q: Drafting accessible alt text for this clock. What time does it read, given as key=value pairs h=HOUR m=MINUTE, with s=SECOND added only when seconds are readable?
h=2 m=3 s=45
